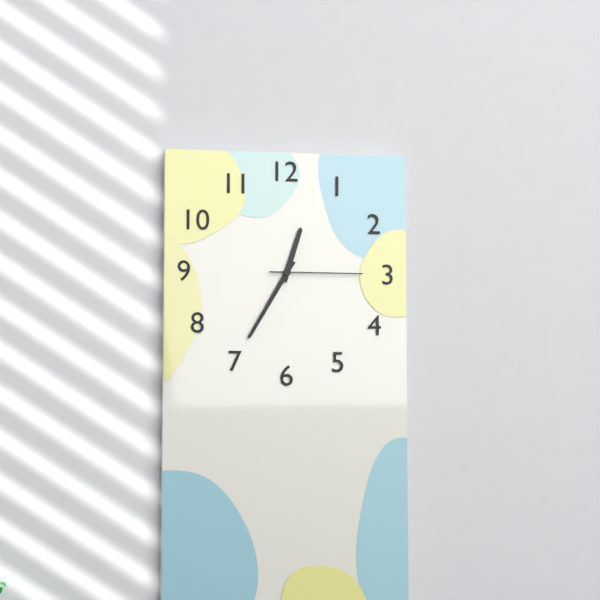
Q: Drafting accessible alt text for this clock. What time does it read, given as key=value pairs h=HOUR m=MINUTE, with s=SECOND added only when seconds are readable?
h=12 m=35 s=15
